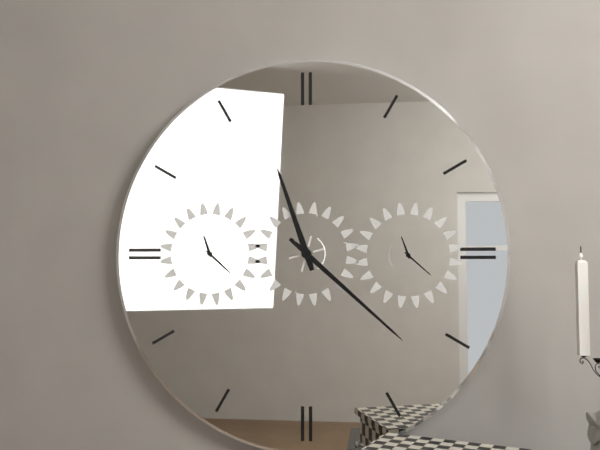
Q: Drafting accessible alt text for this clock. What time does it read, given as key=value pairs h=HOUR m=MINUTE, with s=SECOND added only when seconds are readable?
h=11 m=22
